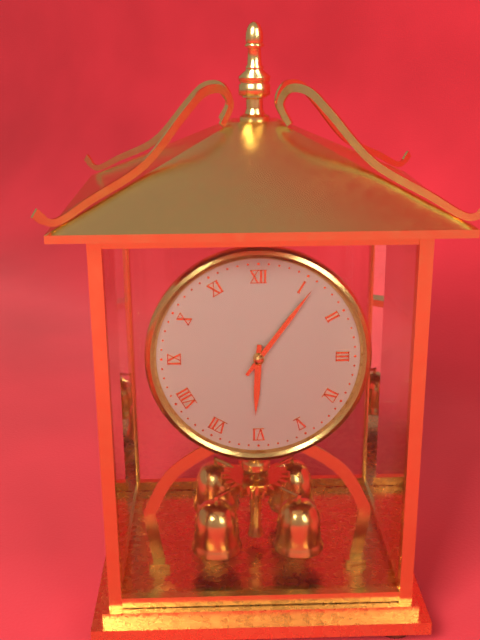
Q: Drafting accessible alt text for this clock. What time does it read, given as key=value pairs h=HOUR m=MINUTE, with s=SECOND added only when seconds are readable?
h=6 m=6
